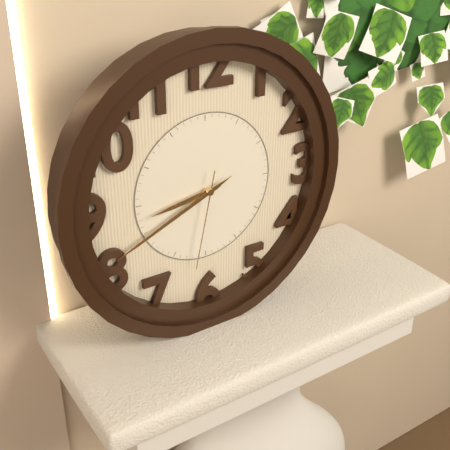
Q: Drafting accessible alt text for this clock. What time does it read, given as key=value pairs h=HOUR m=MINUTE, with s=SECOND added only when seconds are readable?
h=8 m=41 s=32
